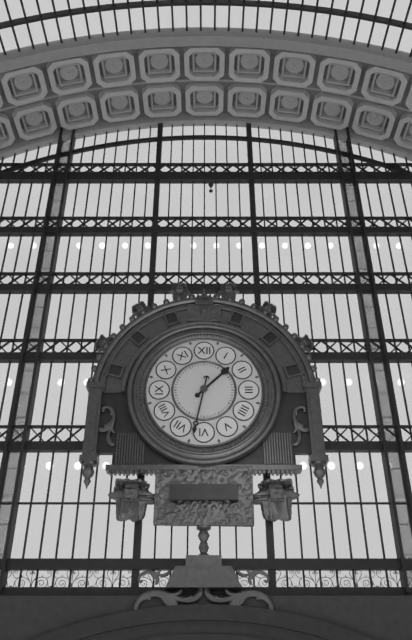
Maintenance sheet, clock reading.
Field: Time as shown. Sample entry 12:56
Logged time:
1:32
